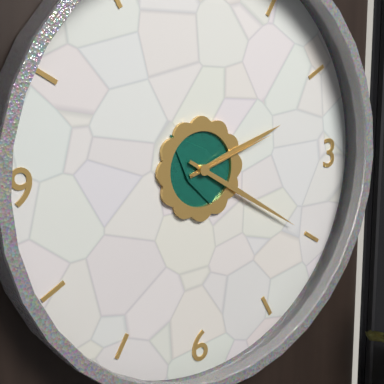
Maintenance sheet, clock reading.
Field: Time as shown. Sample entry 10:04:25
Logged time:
2:20:12
